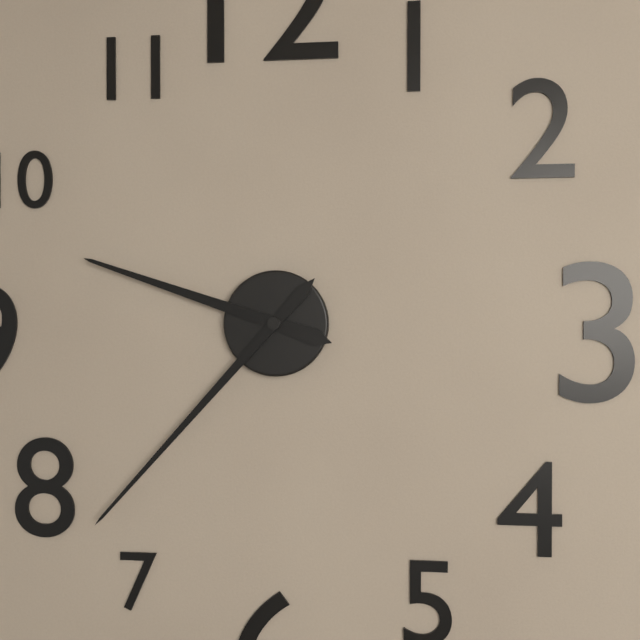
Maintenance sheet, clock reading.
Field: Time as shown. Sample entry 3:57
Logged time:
9:37
